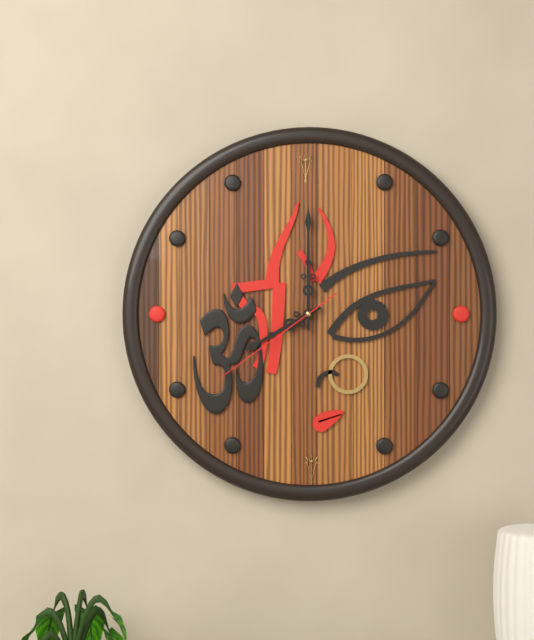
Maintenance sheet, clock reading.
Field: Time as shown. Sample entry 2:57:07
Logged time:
8:00:39
